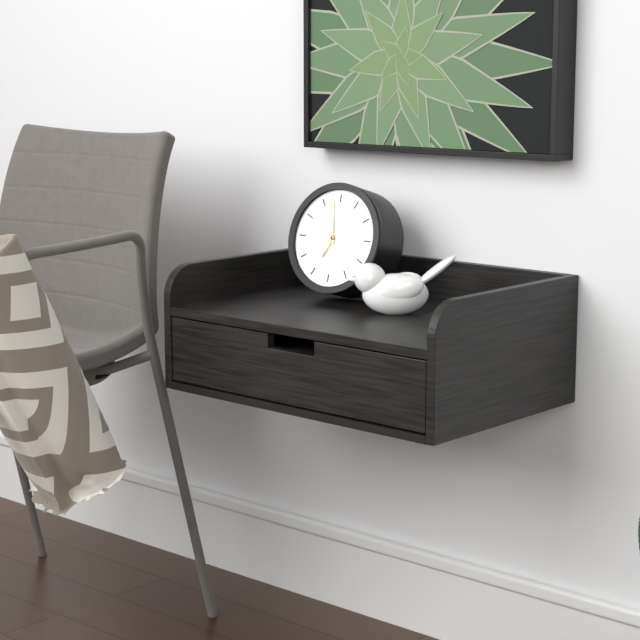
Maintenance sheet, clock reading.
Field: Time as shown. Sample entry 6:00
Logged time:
6:58
